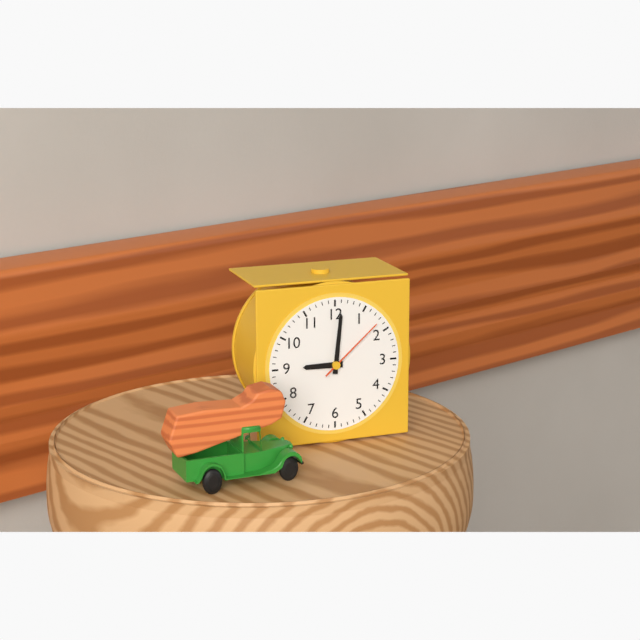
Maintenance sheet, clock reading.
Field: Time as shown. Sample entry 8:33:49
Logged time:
9:01:08
